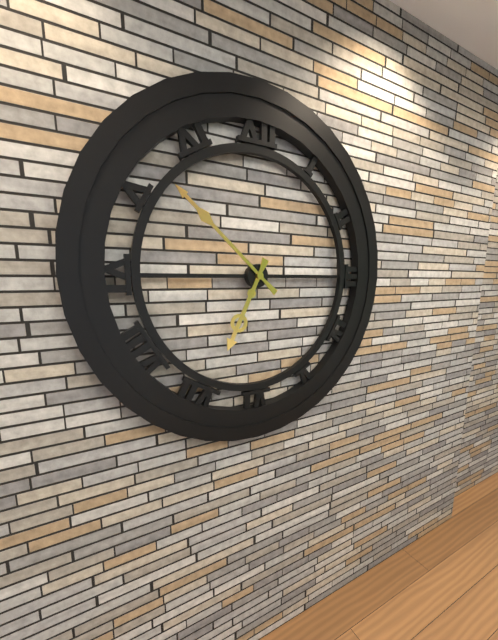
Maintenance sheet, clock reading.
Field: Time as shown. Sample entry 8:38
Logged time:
6:52
